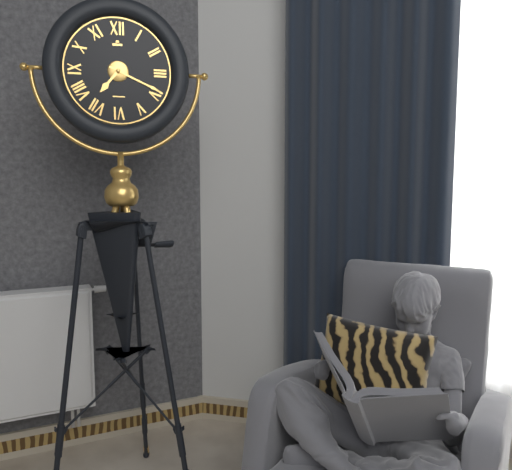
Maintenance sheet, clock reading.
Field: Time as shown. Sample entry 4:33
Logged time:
7:19
